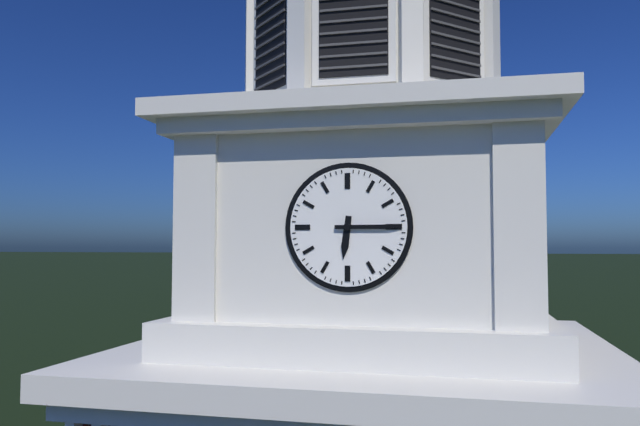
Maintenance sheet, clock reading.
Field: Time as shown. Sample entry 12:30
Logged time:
6:15
